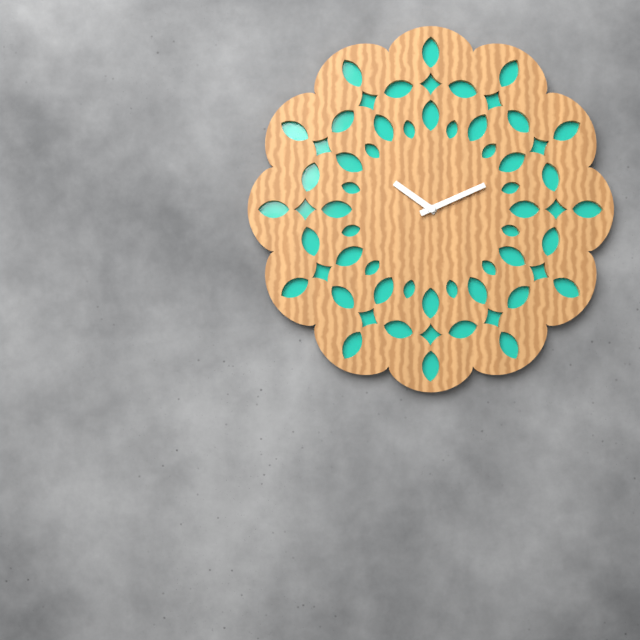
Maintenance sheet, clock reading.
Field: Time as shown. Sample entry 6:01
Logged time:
10:11
